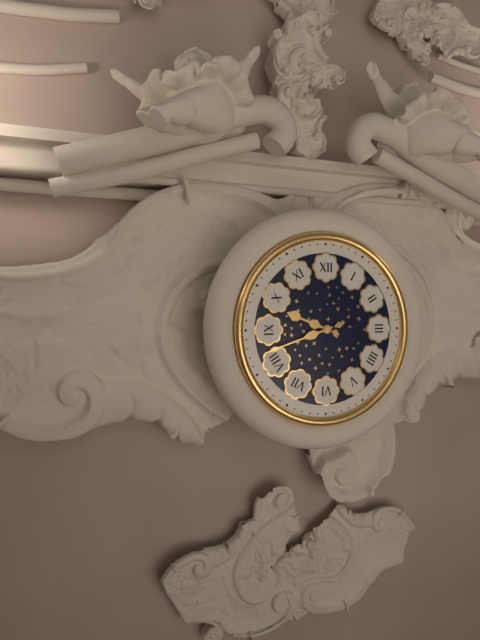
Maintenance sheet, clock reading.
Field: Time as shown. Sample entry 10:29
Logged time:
9:42
